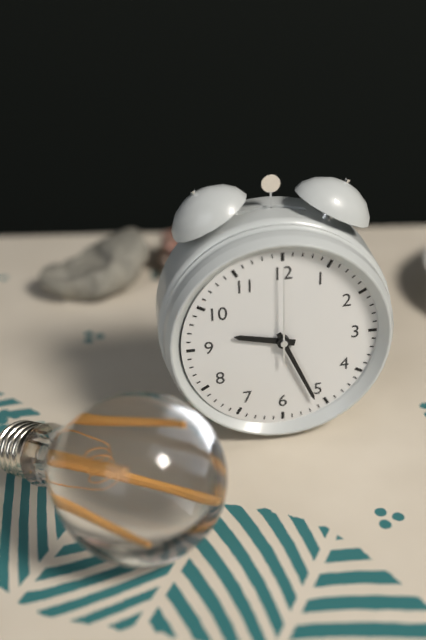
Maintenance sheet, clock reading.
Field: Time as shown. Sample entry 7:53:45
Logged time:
9:26:00
